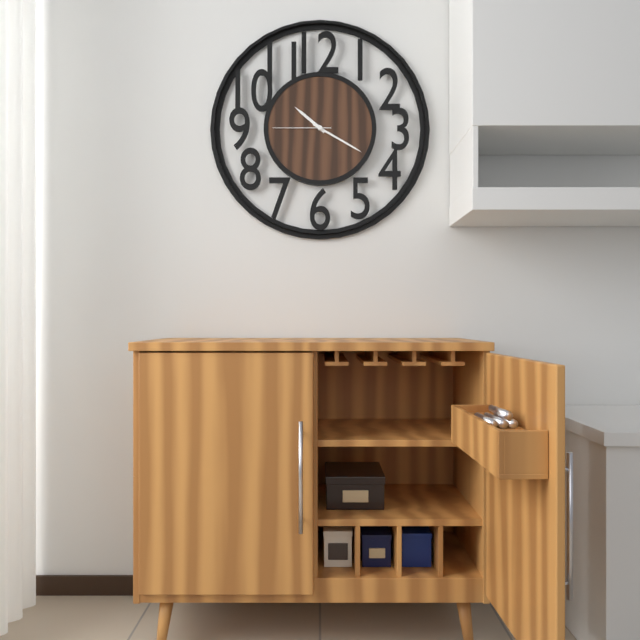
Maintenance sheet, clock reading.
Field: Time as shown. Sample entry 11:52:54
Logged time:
10:20:45
